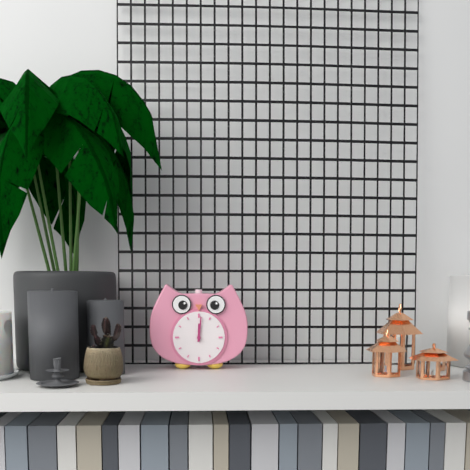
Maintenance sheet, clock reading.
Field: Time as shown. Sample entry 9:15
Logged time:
12:01
